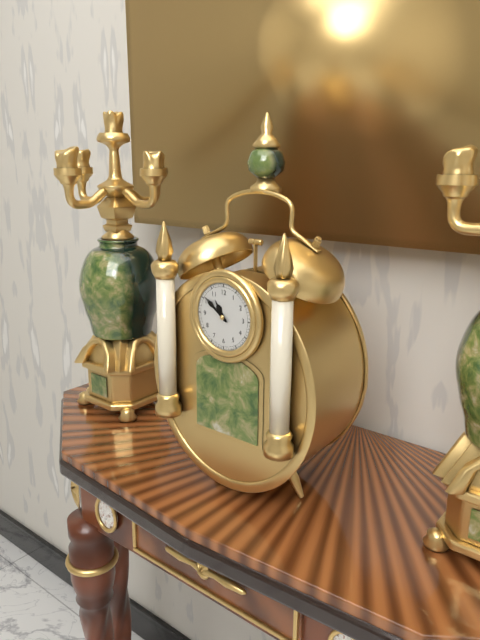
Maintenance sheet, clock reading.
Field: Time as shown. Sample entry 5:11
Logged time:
10:51
